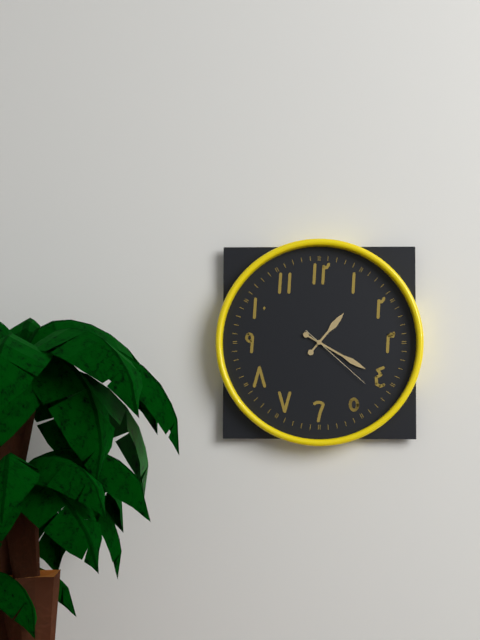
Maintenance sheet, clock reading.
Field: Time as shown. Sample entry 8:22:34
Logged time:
1:20:22
